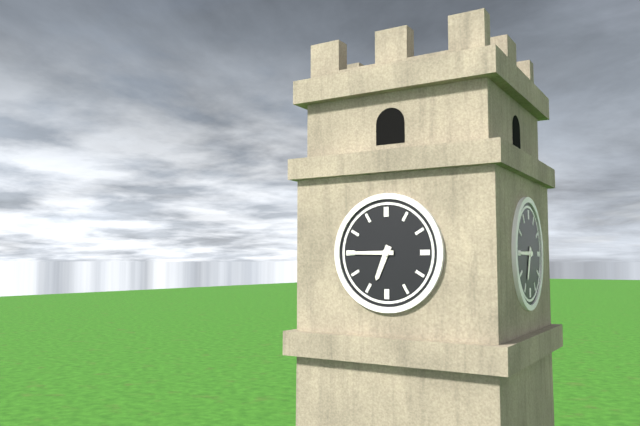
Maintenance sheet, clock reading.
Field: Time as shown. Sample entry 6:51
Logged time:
6:45
